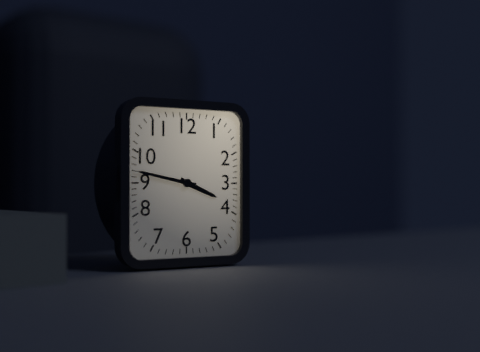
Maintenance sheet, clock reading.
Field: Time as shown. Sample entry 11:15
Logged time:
3:47
